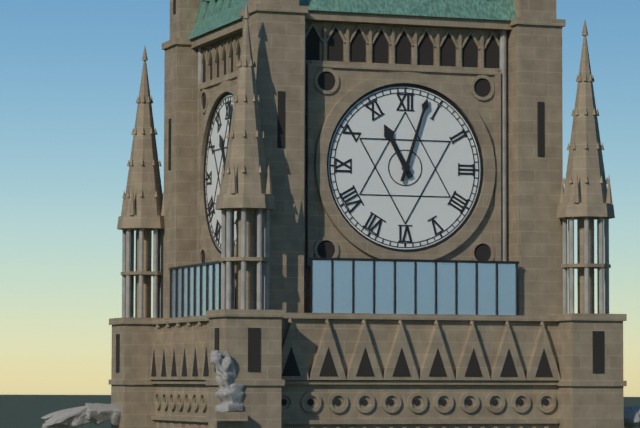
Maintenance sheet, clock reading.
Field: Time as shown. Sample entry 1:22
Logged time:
11:03
